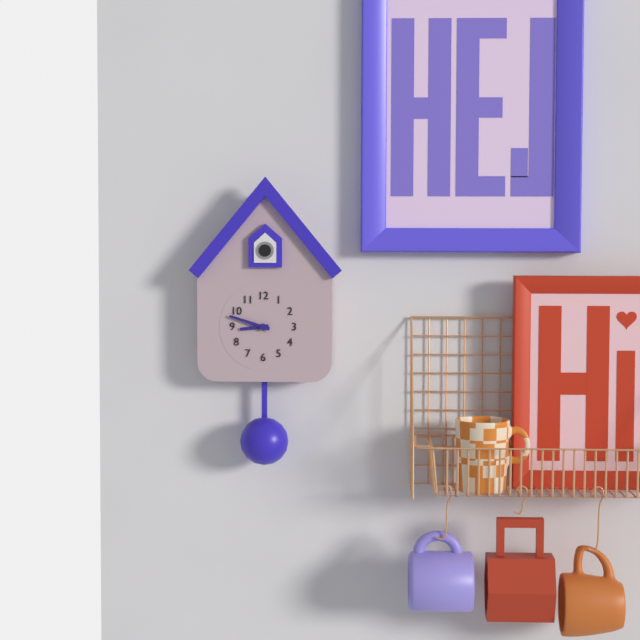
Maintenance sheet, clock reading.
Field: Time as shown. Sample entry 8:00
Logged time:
8:48
